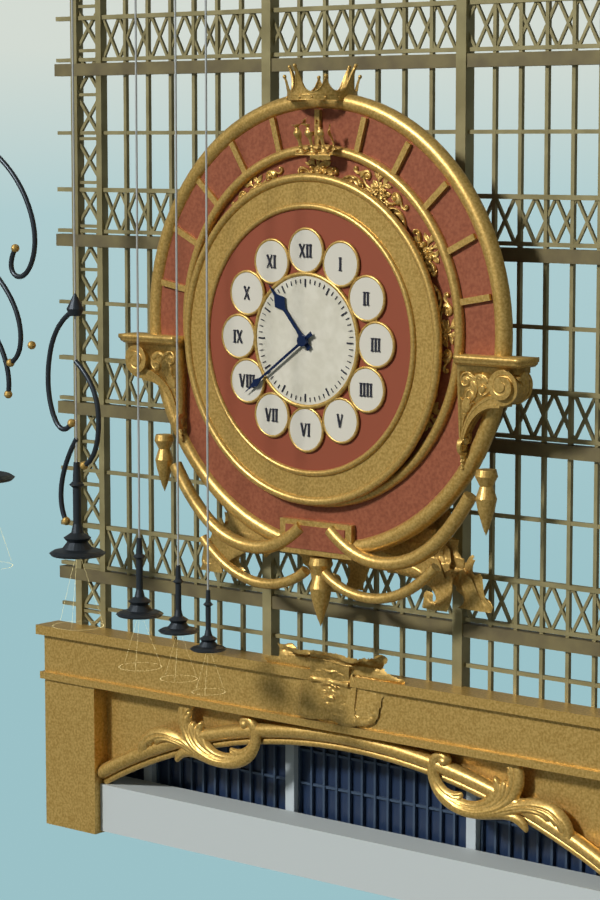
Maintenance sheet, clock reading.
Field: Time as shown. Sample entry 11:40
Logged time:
10:39
